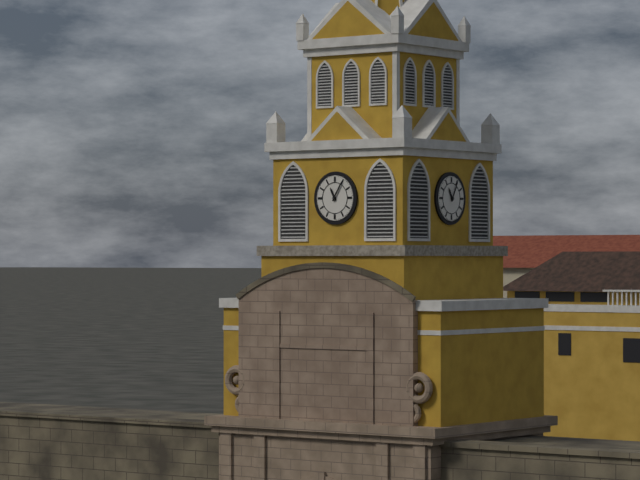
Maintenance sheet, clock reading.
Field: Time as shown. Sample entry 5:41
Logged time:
11:05
